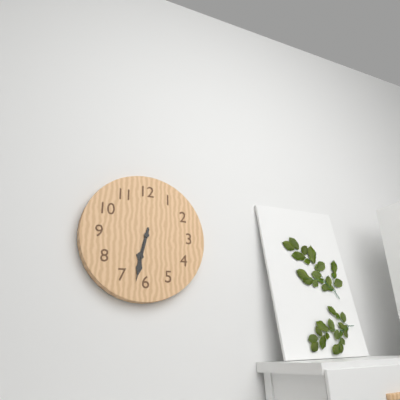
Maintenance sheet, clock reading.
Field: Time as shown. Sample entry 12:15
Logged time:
6:32
